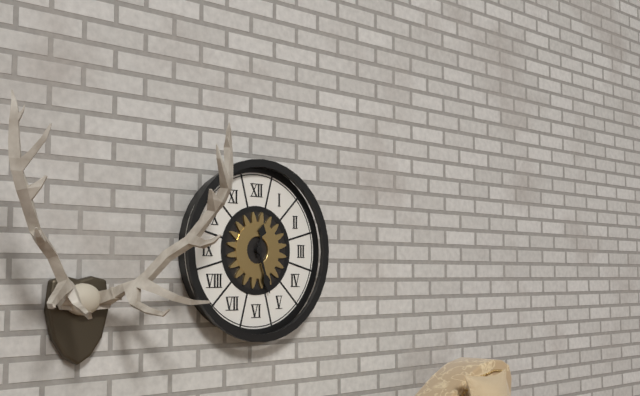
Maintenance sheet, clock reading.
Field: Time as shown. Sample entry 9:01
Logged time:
12:27
